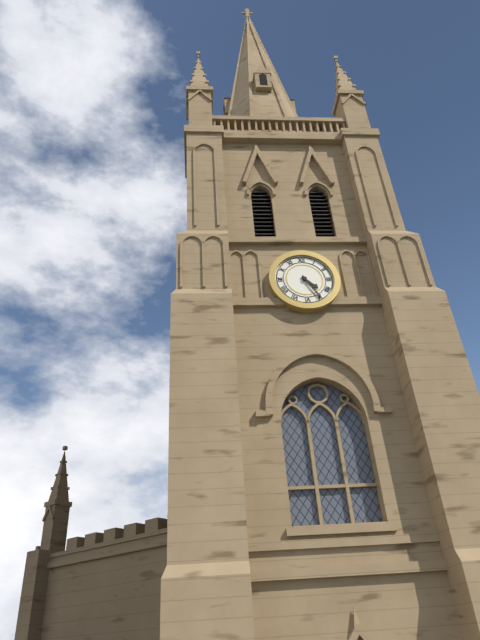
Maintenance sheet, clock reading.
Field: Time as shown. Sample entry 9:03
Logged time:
4:25
